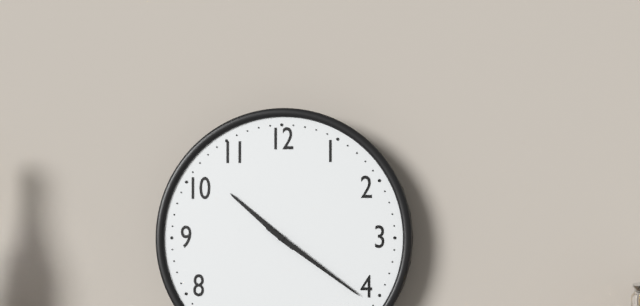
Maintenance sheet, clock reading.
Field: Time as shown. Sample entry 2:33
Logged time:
10:21
